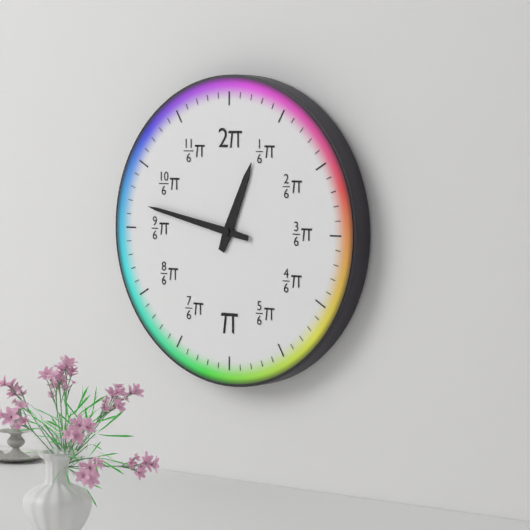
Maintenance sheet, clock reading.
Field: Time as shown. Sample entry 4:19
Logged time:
12:47
